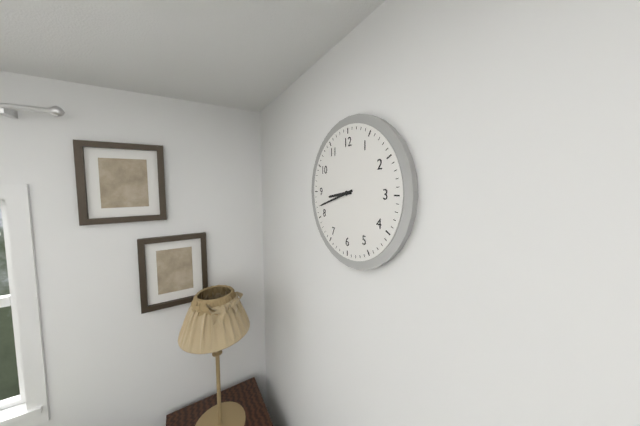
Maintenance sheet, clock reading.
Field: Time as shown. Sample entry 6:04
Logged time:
8:42
